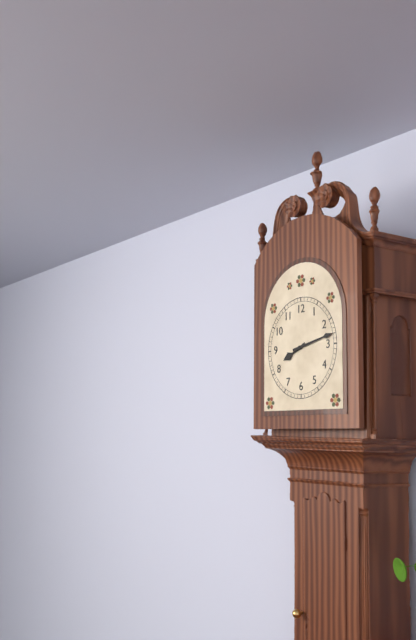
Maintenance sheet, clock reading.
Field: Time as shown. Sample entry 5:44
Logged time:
8:13
